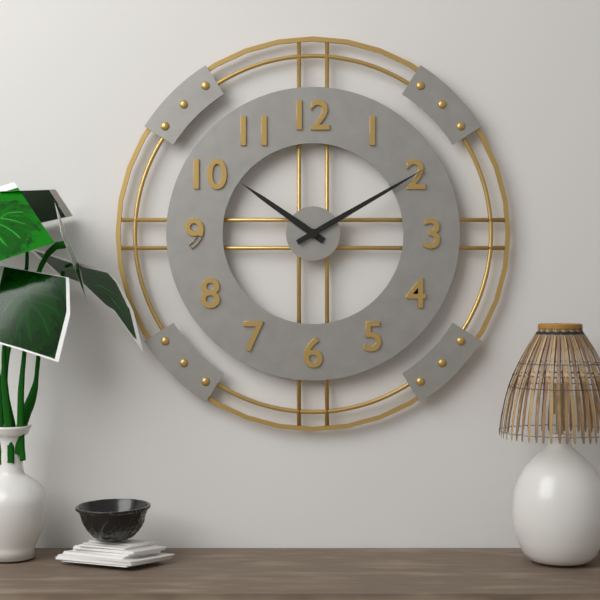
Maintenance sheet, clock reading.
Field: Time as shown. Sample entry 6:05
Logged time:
10:10
